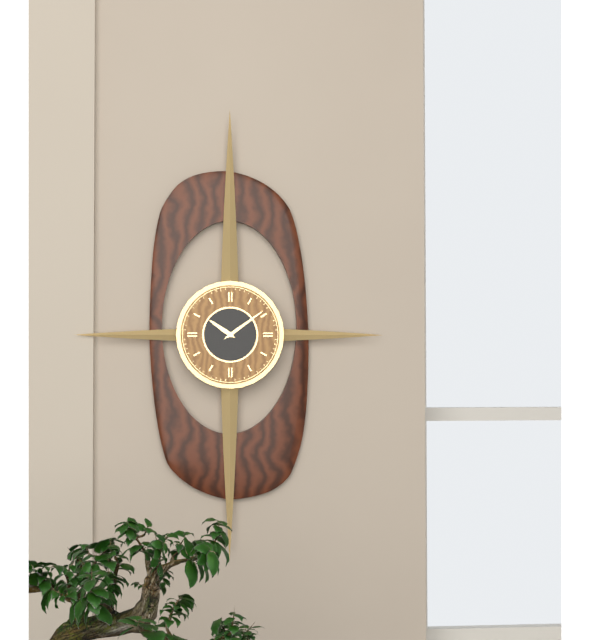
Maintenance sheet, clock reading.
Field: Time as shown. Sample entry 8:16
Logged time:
10:09
